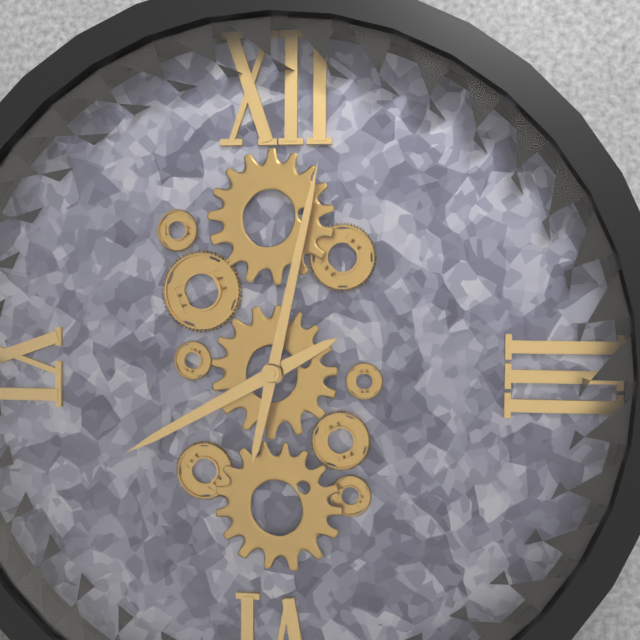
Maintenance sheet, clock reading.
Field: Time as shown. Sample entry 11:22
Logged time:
8:02
